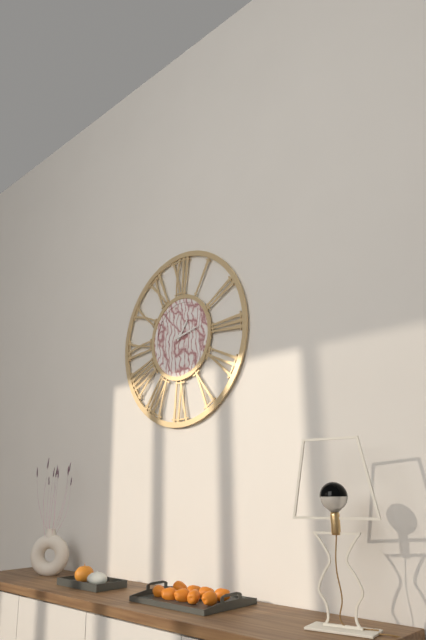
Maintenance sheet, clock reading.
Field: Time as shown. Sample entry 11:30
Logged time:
1:13
